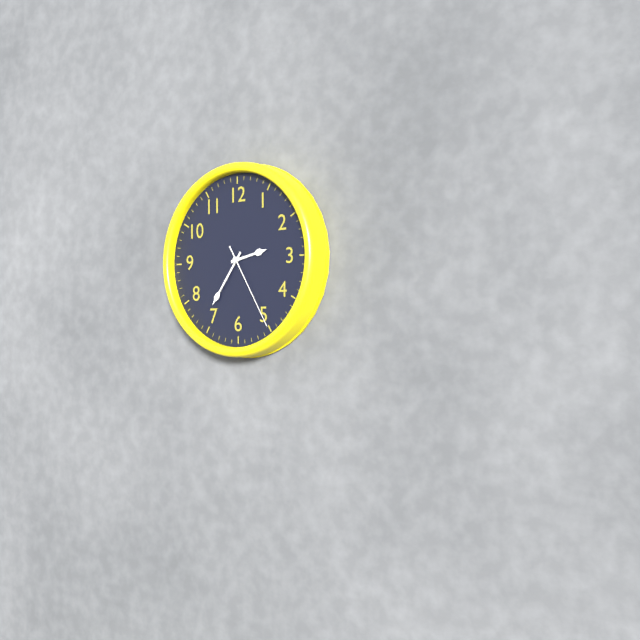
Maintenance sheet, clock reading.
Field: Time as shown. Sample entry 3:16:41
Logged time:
2:36:25
